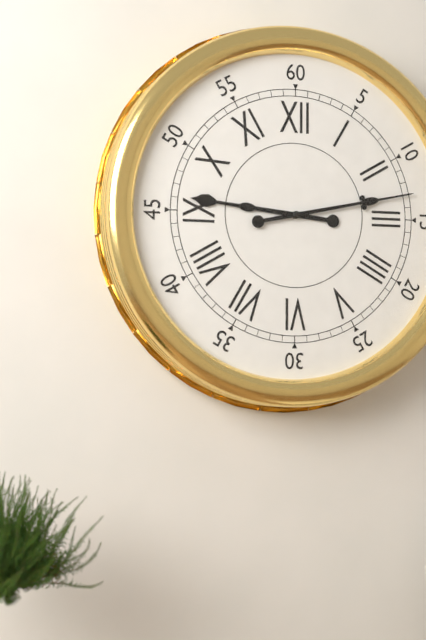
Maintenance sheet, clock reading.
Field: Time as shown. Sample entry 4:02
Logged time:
9:13
